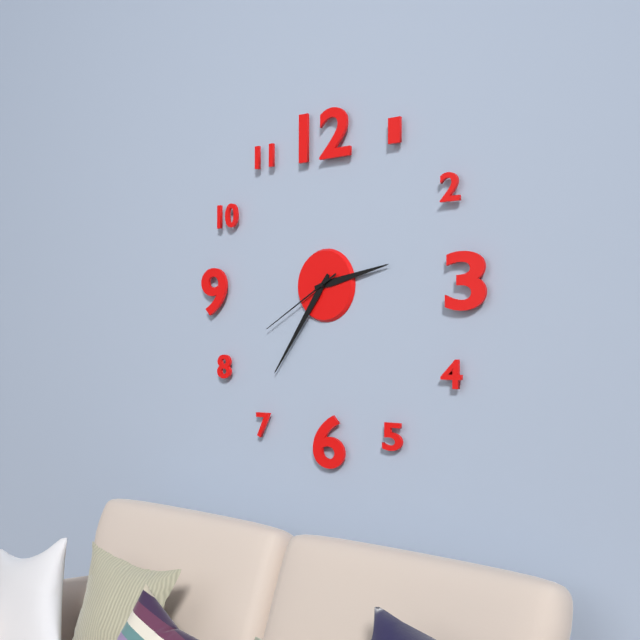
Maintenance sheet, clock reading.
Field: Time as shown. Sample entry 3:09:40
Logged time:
2:36:40
